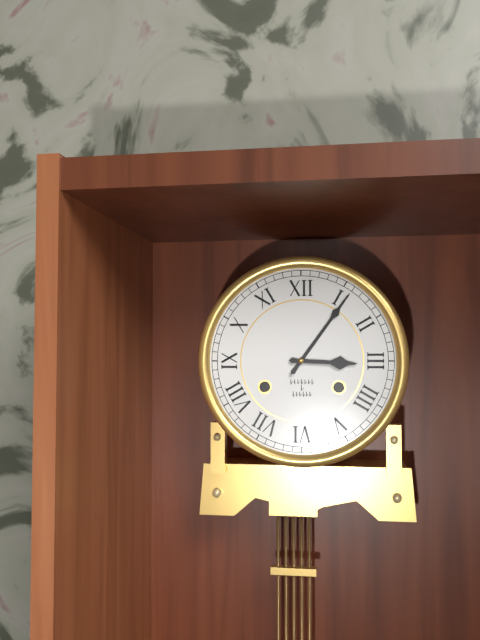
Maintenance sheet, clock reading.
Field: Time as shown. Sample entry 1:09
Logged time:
3:06
